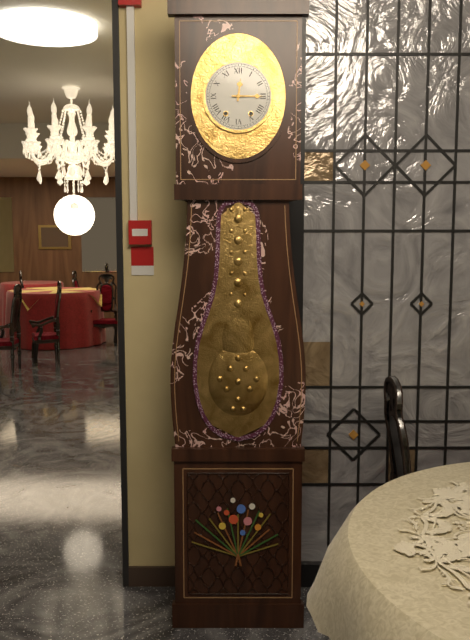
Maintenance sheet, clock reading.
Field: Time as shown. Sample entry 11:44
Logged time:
12:15
